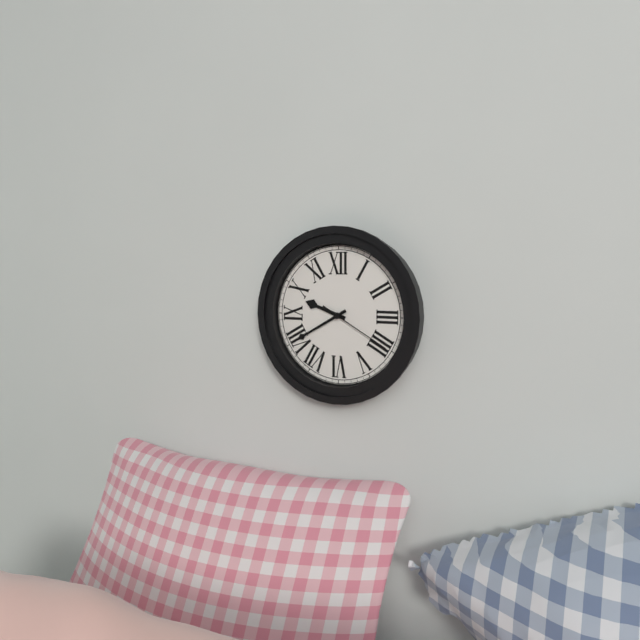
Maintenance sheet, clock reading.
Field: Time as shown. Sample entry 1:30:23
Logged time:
9:40:20
